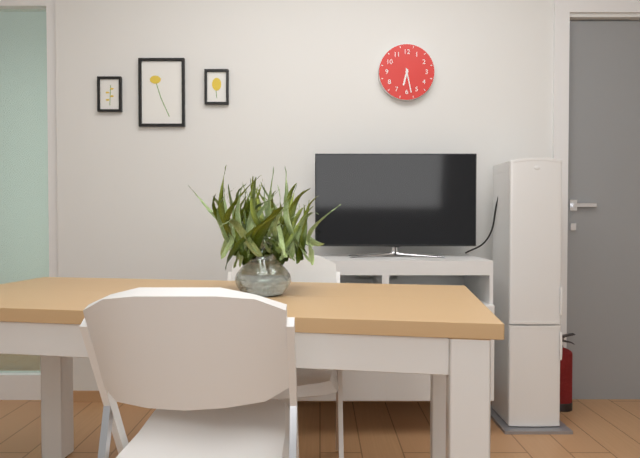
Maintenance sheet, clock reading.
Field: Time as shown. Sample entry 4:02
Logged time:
6:28
